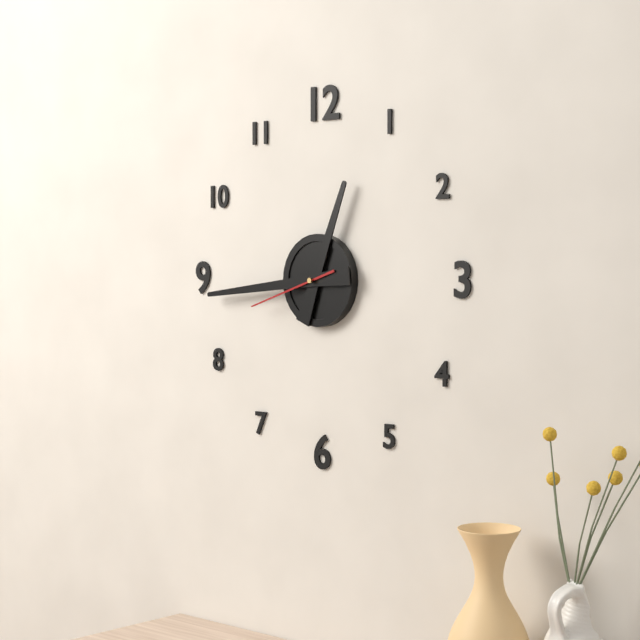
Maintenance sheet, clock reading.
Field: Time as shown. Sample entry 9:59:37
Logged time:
12:44:42
